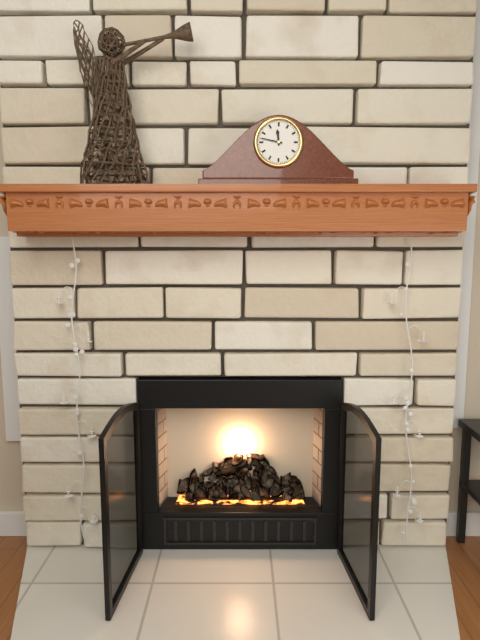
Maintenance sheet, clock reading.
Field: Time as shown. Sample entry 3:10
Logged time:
11:47
